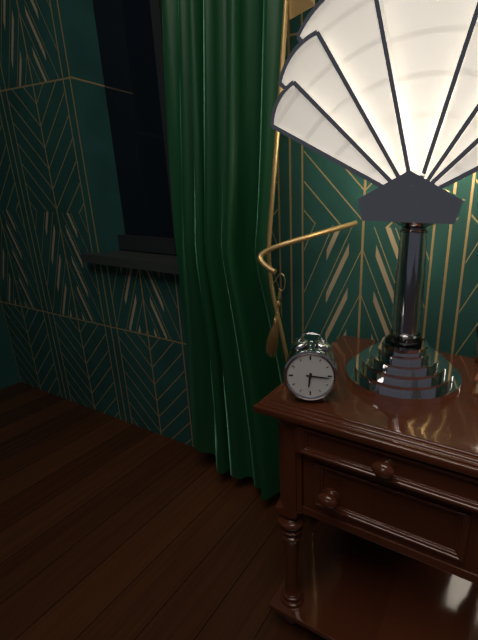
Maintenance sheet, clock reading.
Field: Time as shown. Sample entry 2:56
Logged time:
6:16
